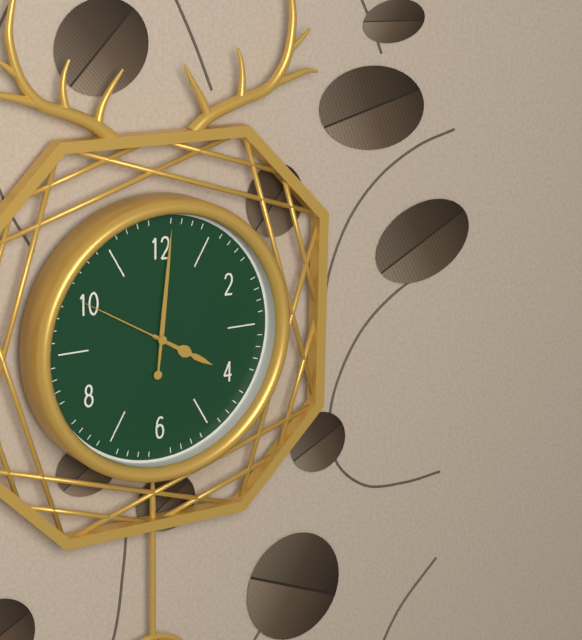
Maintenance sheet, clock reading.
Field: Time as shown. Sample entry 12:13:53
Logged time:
4:01:50
